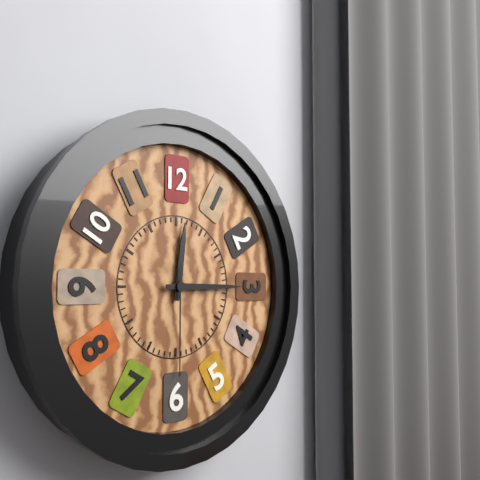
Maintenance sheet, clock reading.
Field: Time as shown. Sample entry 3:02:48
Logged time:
12:15:30
